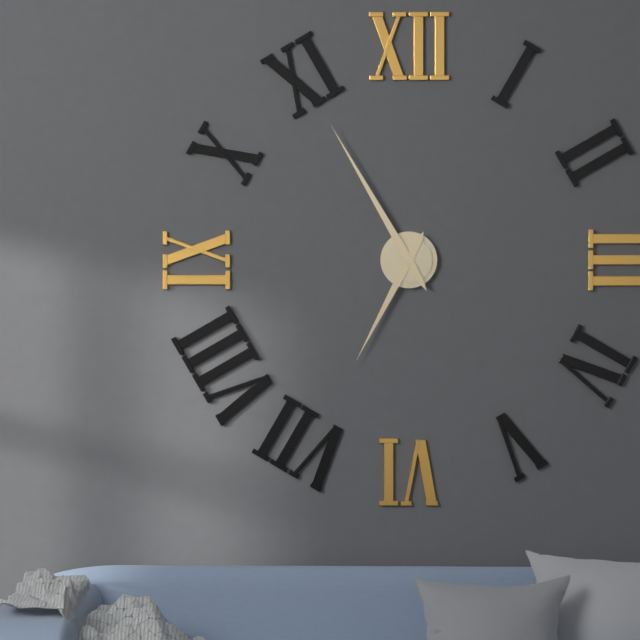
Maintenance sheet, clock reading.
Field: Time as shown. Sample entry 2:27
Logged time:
6:55
